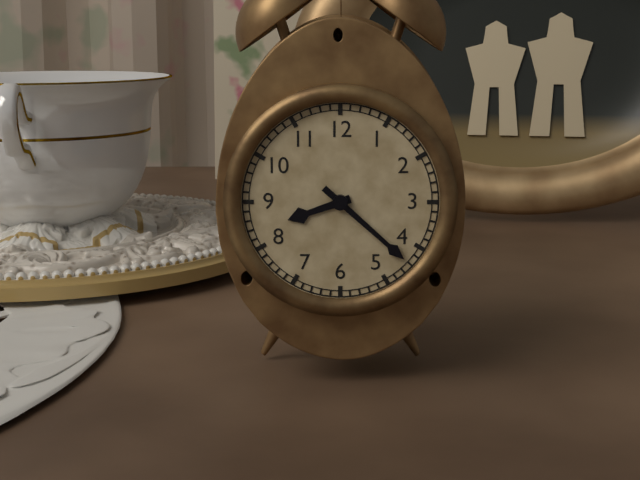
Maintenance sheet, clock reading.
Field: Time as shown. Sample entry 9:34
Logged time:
8:22
